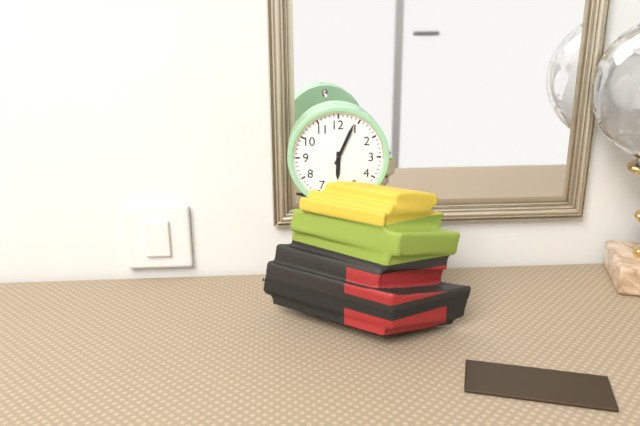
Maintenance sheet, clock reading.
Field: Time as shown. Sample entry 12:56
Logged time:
6:04
